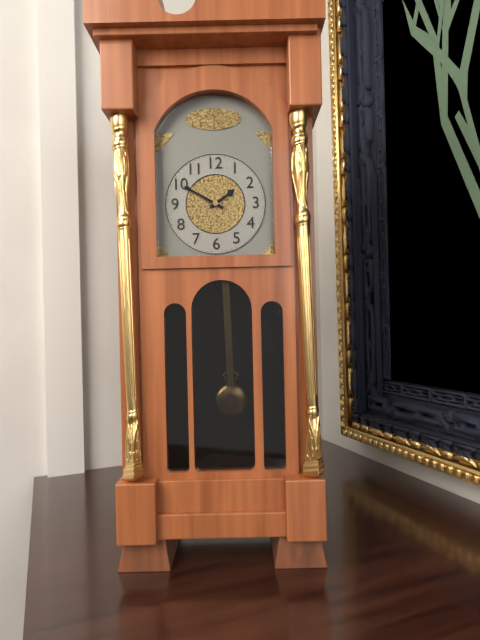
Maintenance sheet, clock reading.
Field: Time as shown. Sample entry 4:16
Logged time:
1:50
